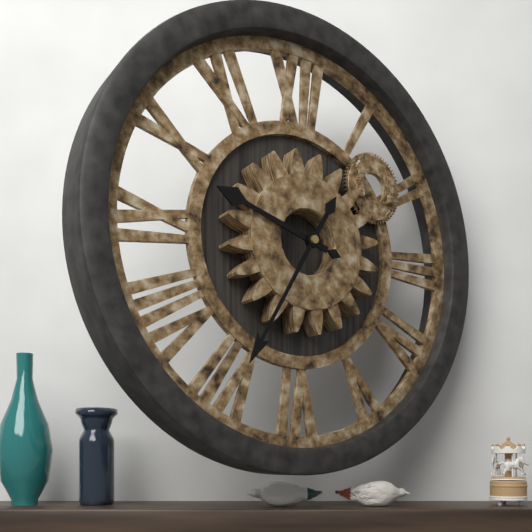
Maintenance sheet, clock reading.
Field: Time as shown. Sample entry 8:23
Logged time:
9:35
